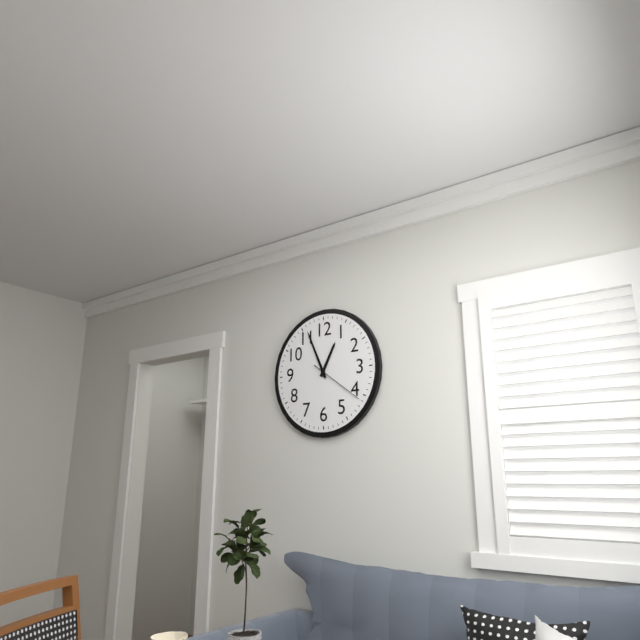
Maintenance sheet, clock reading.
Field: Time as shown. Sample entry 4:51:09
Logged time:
12:56:21
